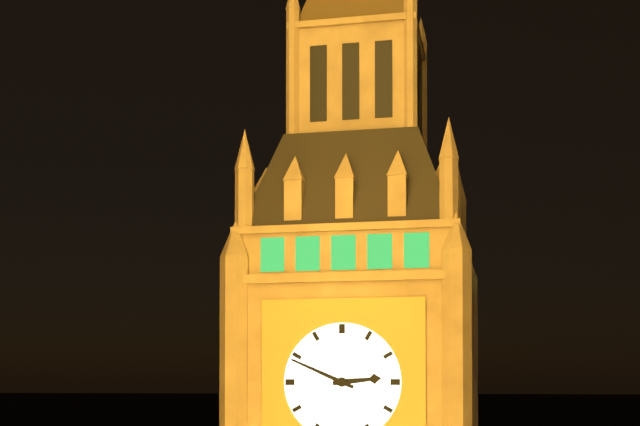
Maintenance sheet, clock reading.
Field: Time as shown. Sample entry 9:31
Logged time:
2:49
